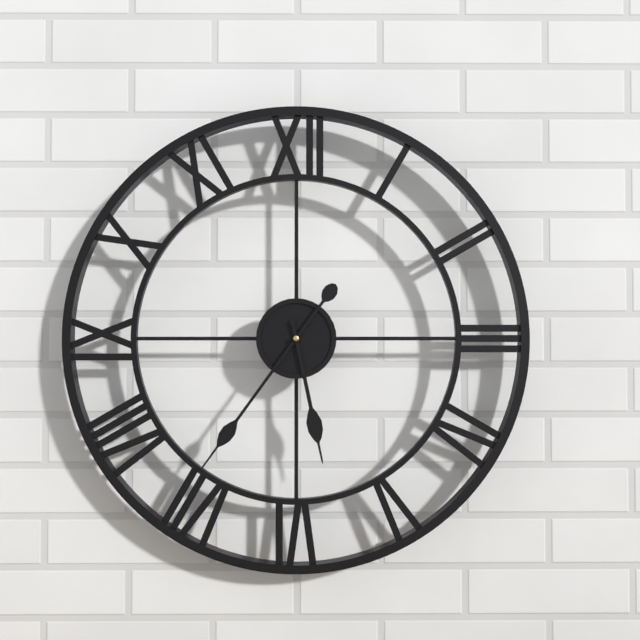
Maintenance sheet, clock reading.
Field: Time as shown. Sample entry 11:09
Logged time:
5:36
